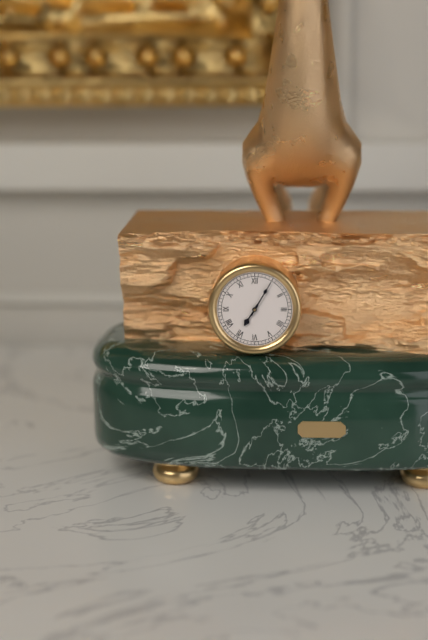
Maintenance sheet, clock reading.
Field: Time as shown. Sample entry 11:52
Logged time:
7:05
